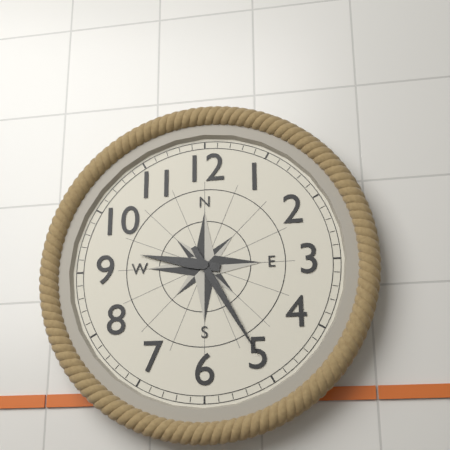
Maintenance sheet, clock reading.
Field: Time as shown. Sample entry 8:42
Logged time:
9:25
